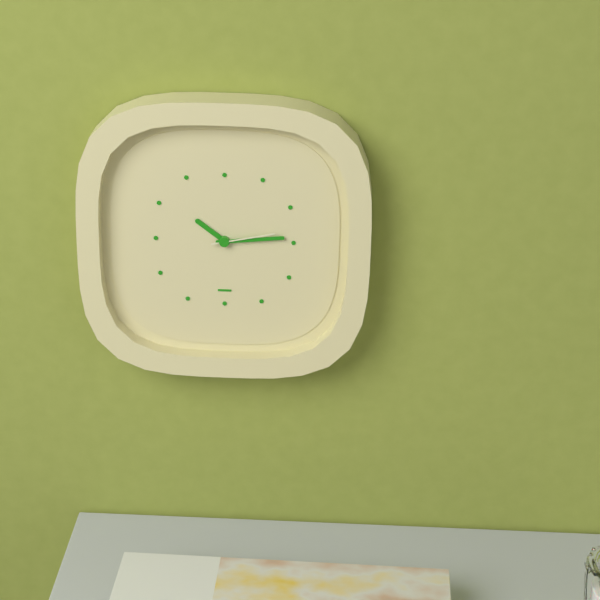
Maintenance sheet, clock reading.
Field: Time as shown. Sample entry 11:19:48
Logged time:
10:14:13
